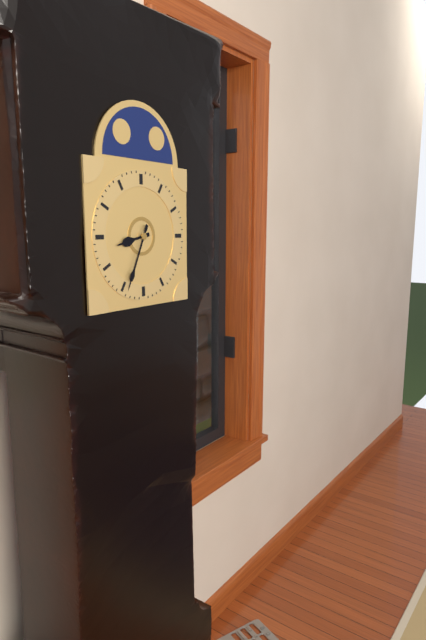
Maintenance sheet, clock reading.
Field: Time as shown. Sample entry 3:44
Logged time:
8:34
